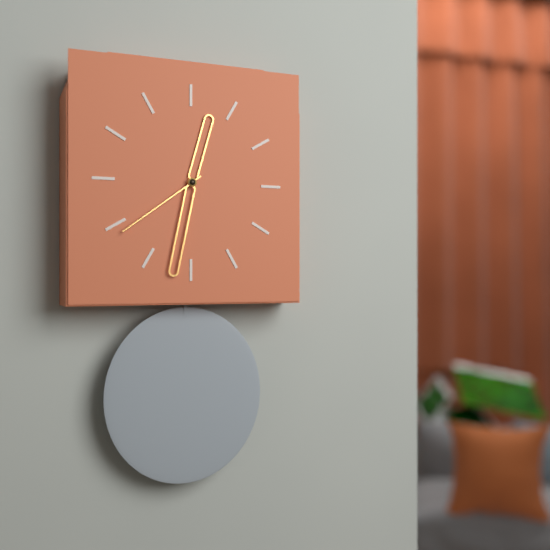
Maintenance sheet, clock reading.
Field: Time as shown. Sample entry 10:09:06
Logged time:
12:32:39
